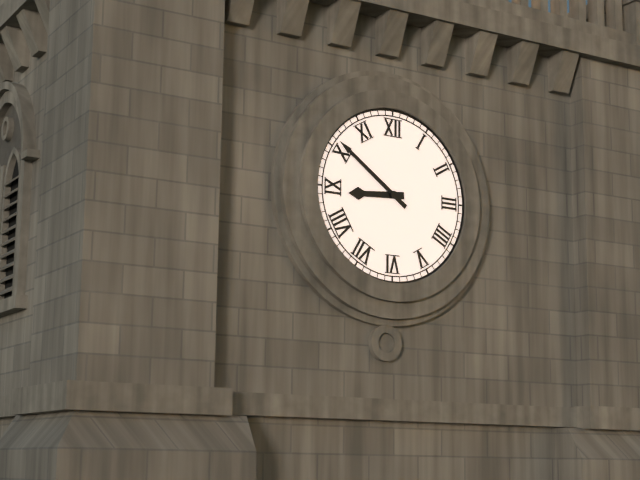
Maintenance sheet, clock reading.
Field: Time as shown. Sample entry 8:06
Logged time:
8:51
